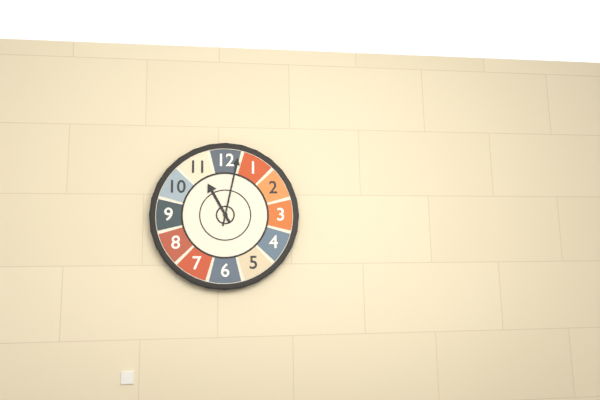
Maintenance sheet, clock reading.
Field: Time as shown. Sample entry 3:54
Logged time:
11:02
